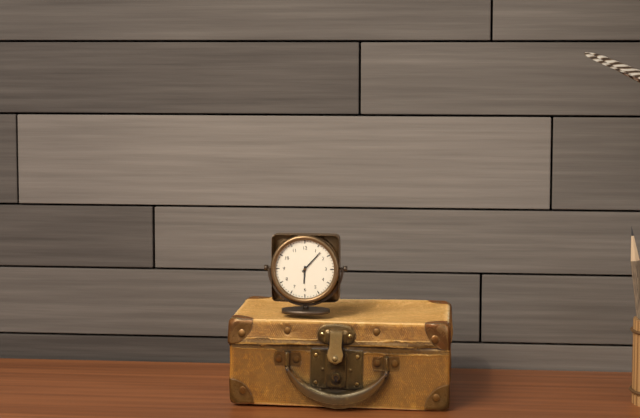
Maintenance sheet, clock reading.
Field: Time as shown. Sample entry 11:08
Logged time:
6:07
